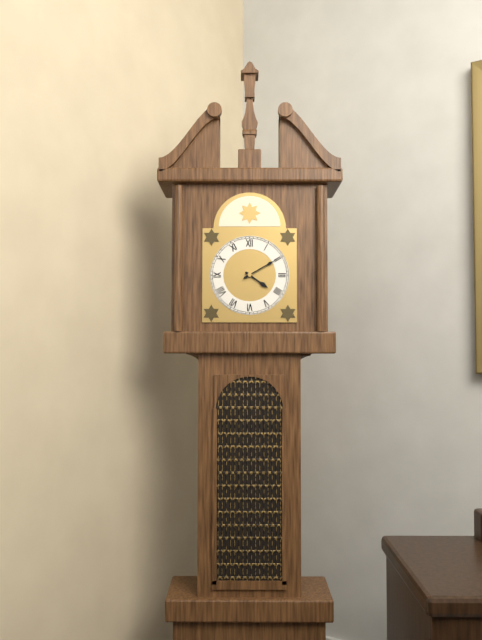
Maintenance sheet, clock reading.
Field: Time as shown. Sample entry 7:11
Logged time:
4:10
